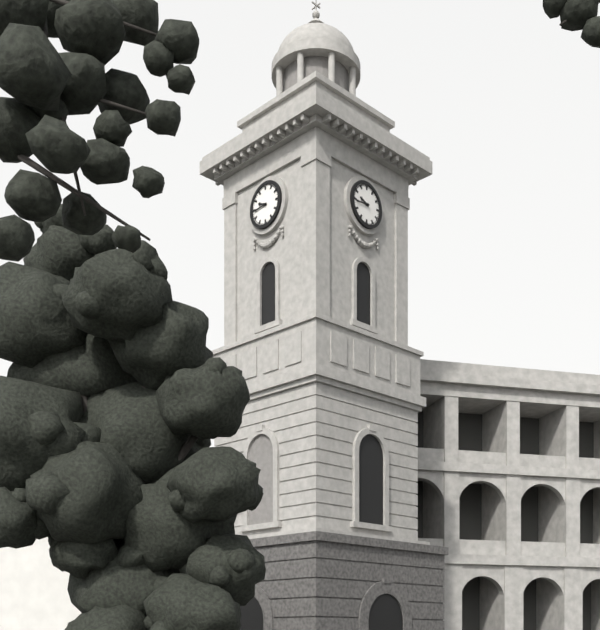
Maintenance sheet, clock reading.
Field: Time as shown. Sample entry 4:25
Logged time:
9:44
